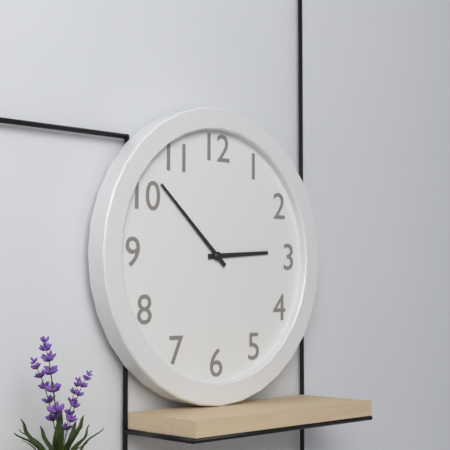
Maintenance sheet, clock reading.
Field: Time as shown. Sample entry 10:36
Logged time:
2:52
